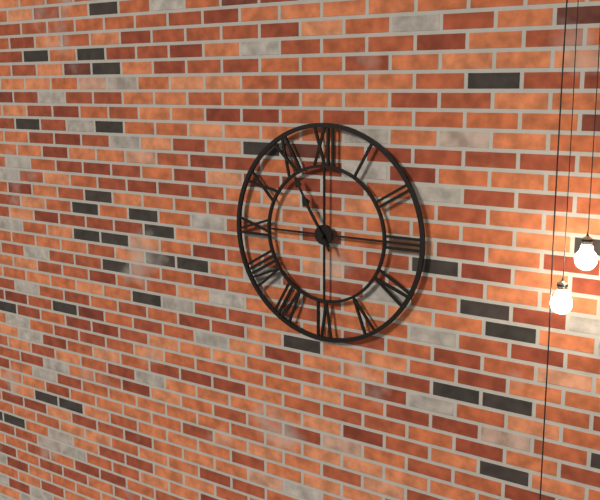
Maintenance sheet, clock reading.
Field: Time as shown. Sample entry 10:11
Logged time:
10:55
